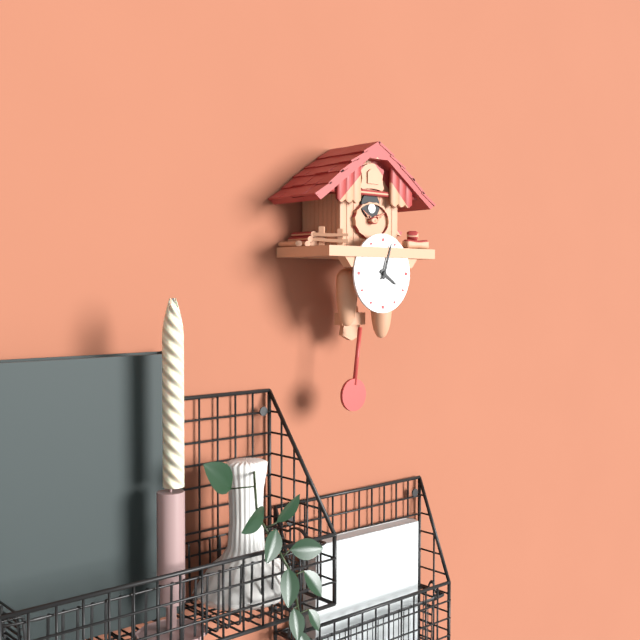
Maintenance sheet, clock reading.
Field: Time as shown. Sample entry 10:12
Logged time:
4:03
